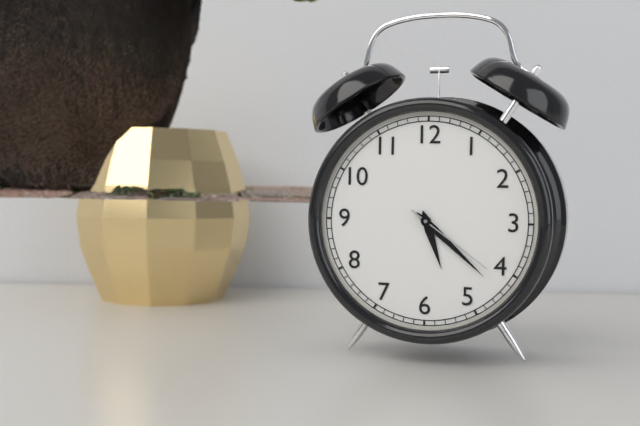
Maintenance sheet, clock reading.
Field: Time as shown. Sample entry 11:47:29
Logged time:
5:22:21
